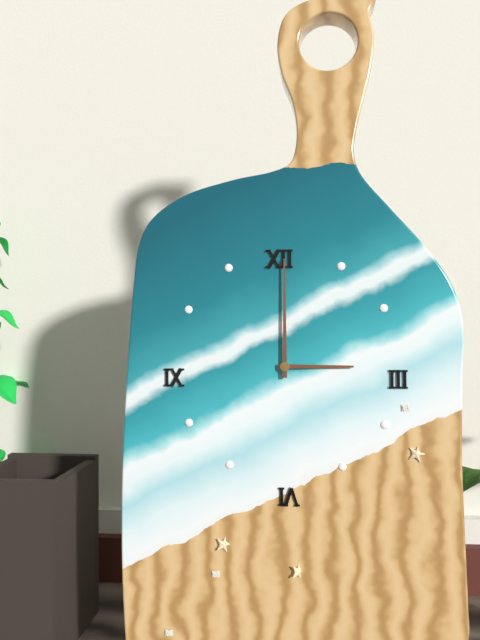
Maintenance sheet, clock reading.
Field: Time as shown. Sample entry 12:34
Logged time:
3:00
